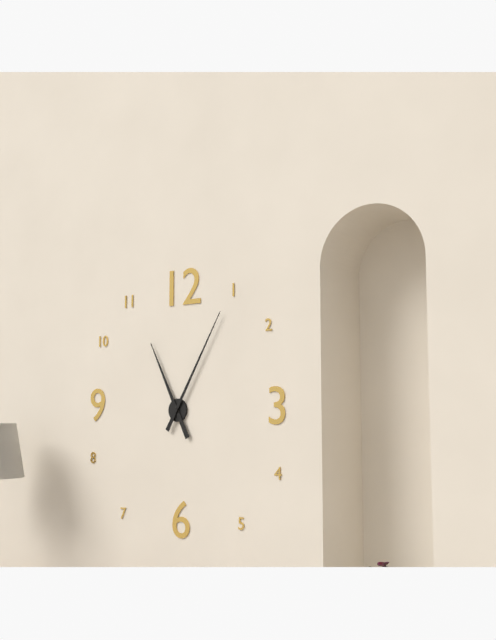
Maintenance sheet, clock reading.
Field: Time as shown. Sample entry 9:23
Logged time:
11:05
